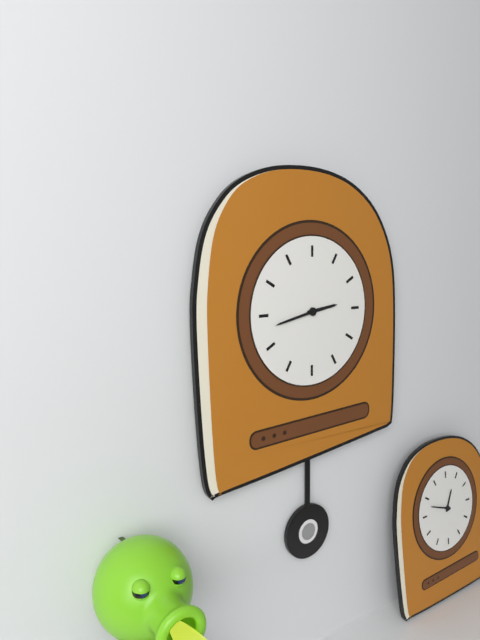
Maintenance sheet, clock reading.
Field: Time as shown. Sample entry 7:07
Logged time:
2:43
